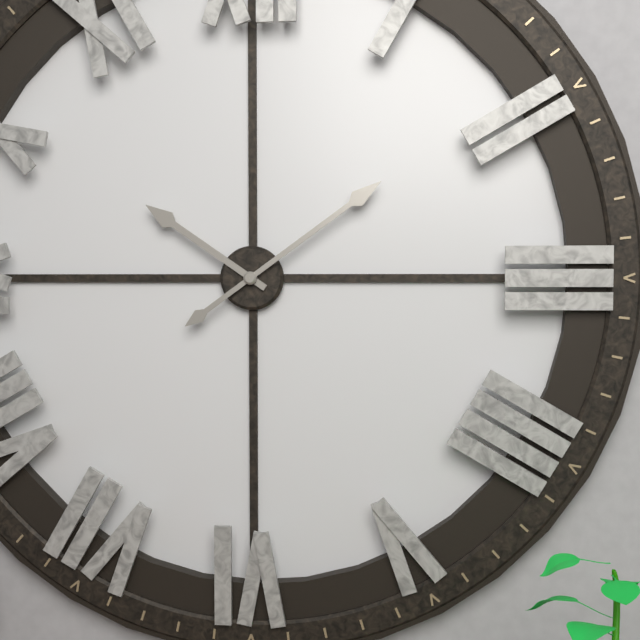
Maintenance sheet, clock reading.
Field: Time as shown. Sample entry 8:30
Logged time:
10:09
